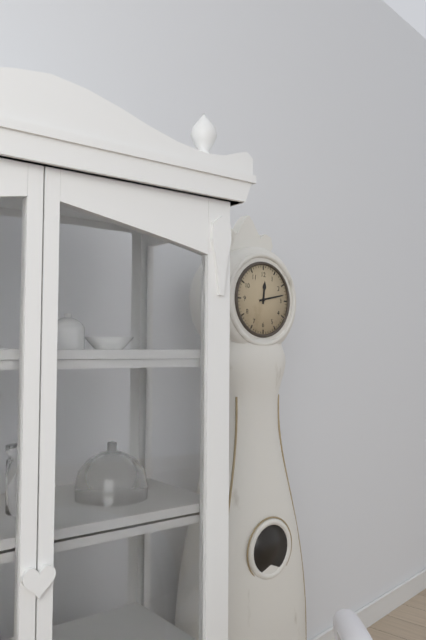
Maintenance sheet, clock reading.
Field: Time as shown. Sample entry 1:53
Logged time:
12:13
